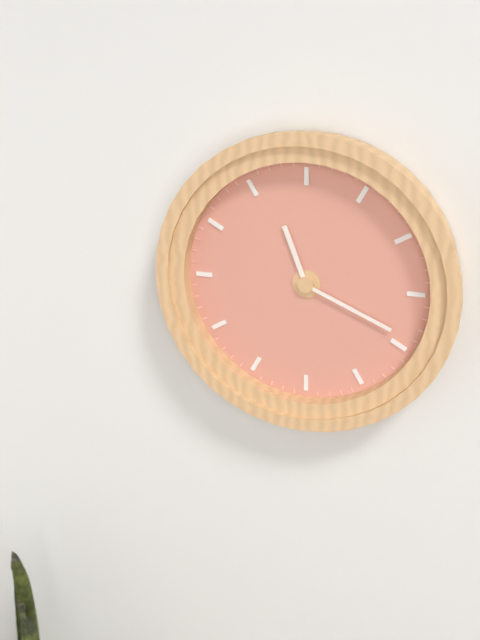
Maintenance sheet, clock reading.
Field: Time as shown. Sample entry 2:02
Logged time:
11:19
